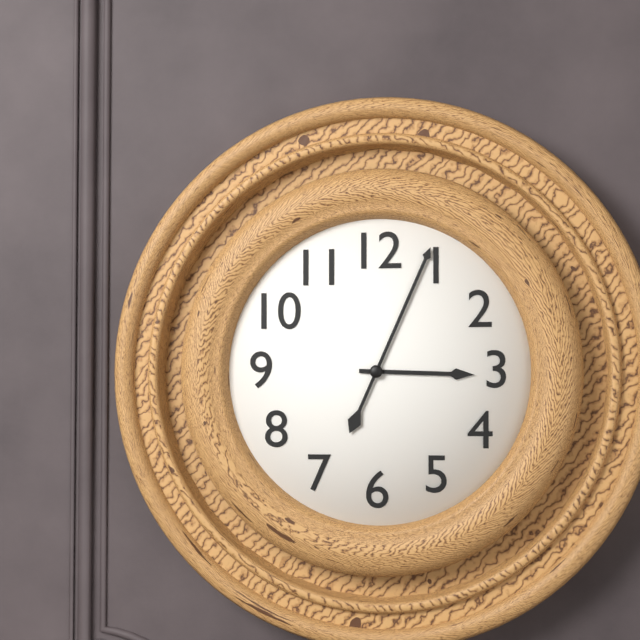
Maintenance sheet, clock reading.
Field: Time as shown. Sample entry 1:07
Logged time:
3:04
